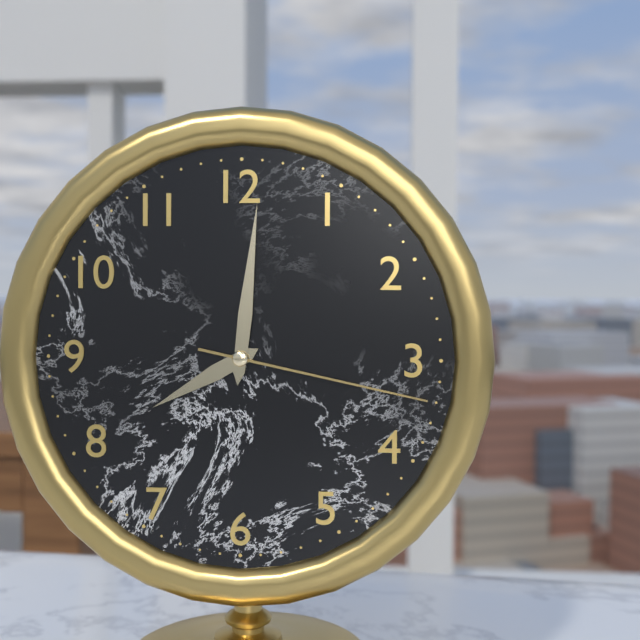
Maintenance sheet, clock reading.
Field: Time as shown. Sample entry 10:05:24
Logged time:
8:01:17
